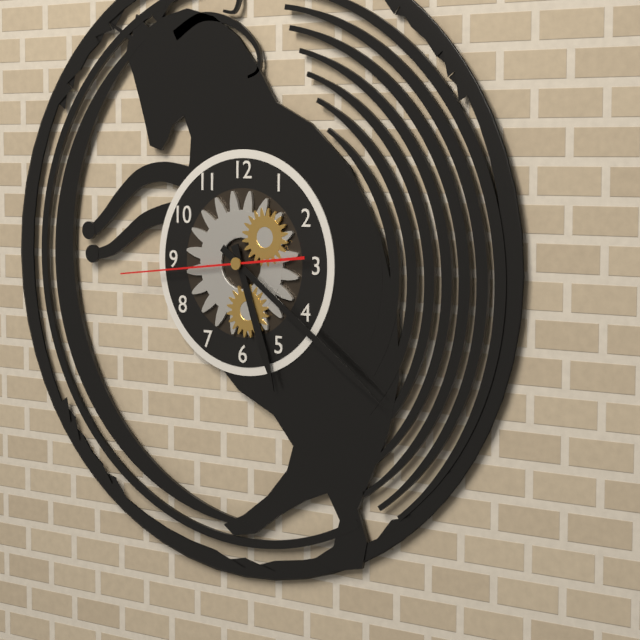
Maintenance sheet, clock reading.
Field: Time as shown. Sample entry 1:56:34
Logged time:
5:21:44
